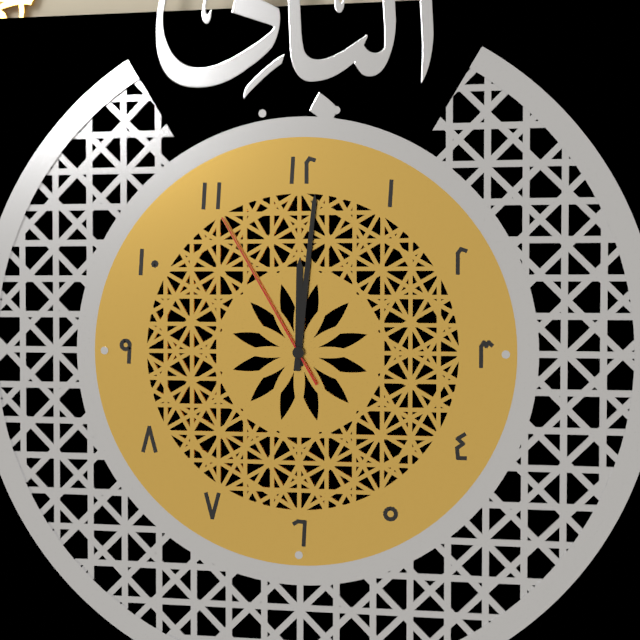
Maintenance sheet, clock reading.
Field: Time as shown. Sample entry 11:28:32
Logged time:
12:01:55
